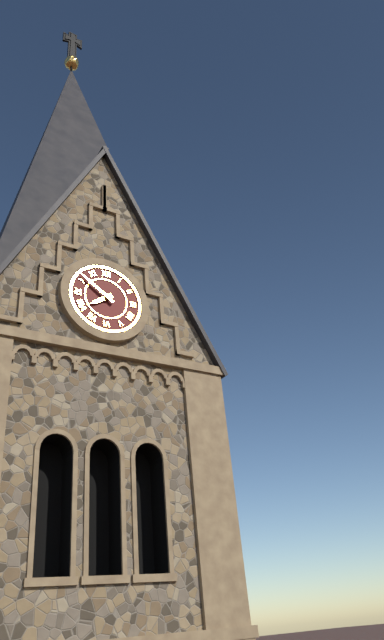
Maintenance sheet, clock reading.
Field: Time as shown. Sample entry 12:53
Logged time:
7:51
